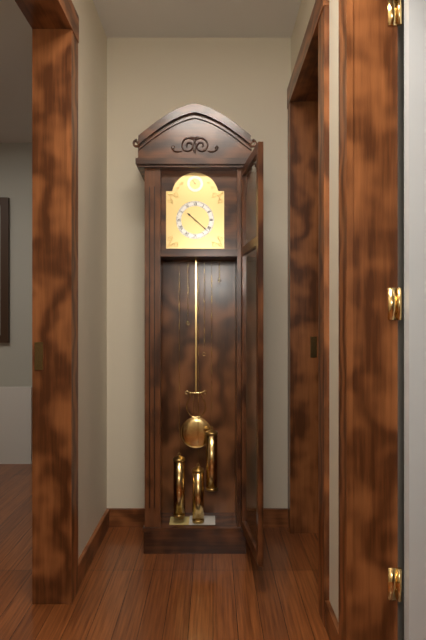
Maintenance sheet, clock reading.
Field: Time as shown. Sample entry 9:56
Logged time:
10:22
